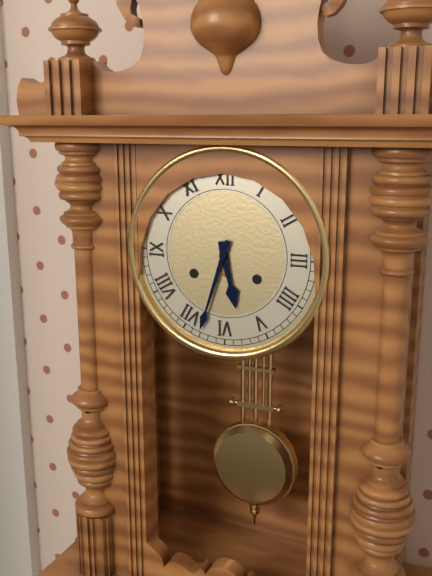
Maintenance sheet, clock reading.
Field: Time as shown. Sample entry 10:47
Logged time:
5:33
